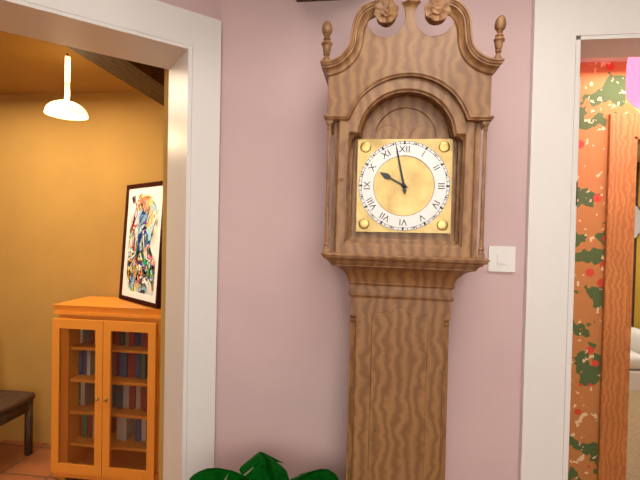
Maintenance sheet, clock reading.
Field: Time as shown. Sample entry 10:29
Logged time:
9:58
